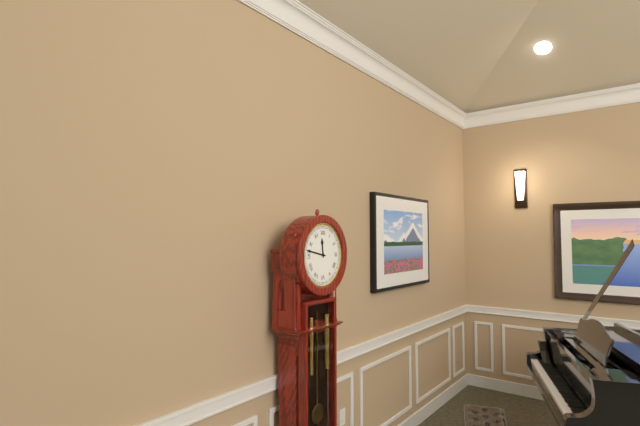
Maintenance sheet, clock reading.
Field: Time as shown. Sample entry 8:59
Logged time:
11:47
